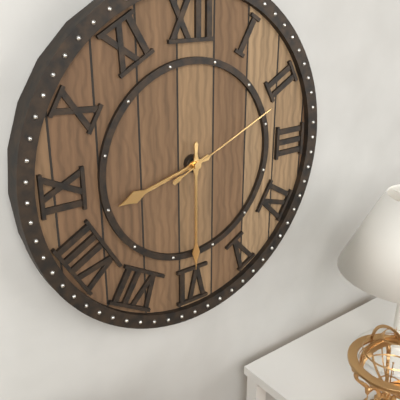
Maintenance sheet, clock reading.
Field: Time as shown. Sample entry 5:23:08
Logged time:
8:30:11
